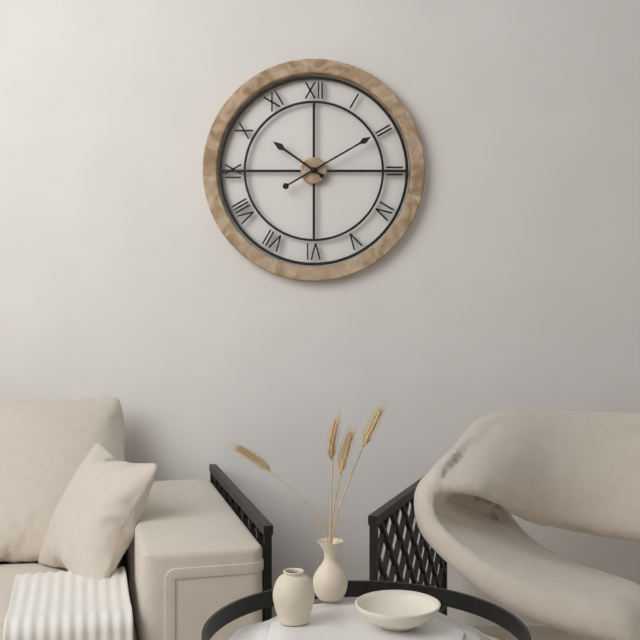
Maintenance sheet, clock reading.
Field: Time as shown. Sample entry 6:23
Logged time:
10:10
